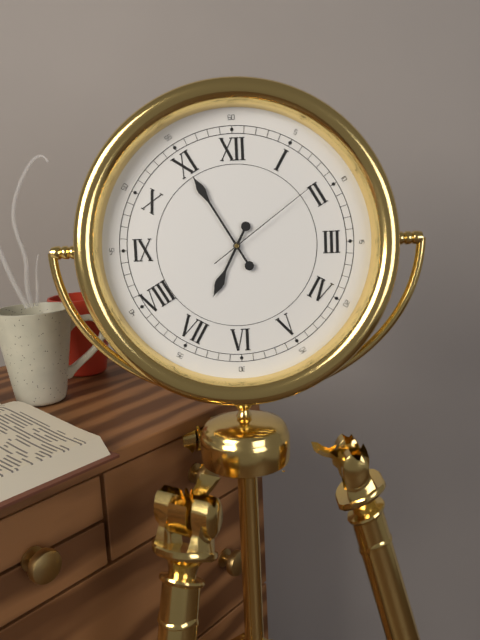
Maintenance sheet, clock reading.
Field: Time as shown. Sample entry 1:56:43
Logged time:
6:55:09
